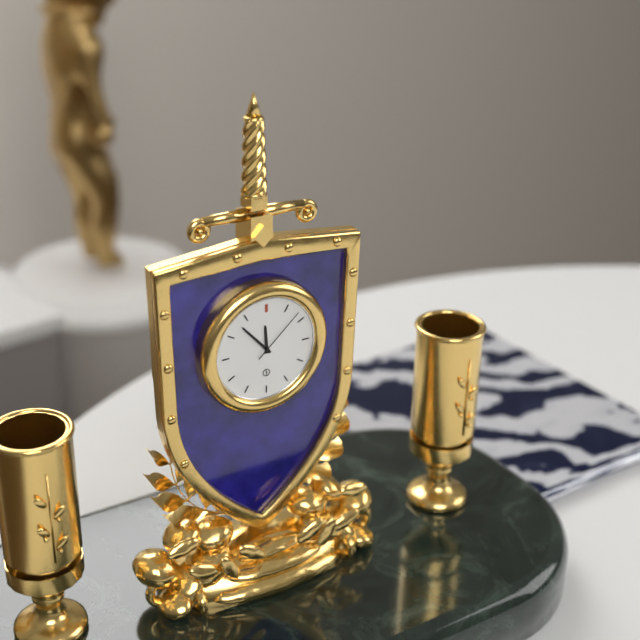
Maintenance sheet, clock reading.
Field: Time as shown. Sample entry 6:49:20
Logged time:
11:53:08
